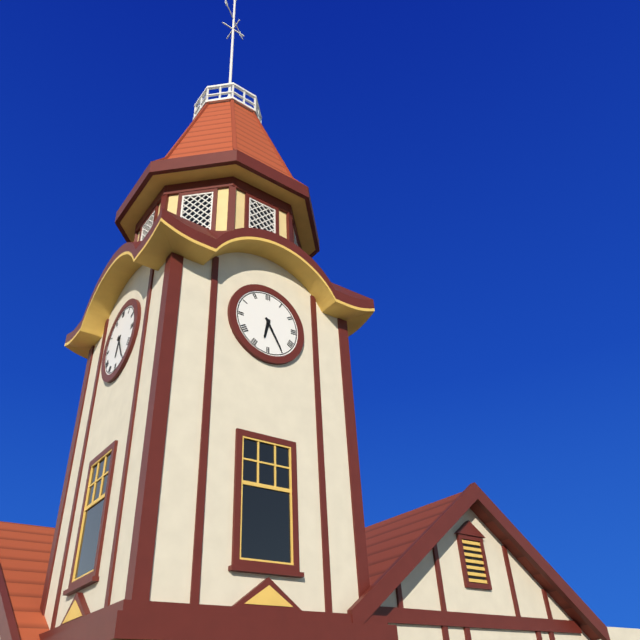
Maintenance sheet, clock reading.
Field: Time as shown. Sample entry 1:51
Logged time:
6:25
